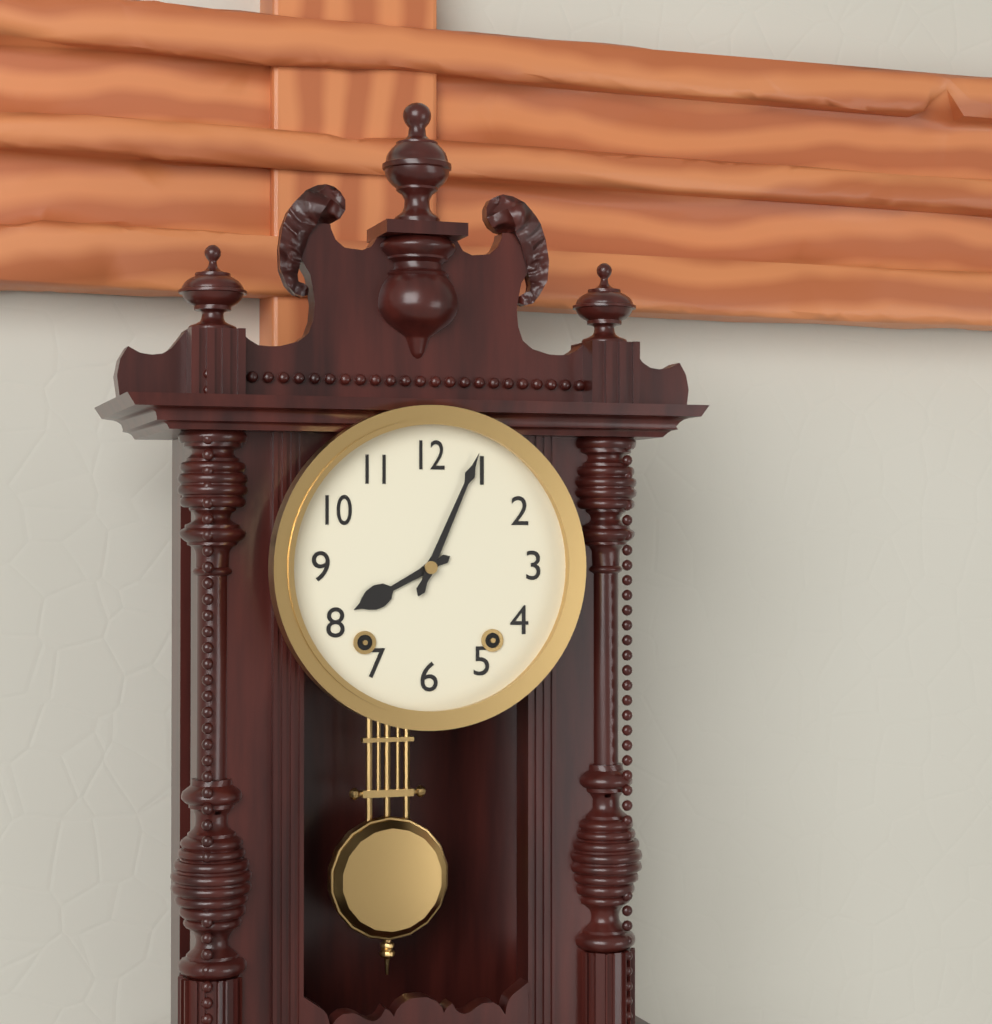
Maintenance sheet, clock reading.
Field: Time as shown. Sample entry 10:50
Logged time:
8:04
